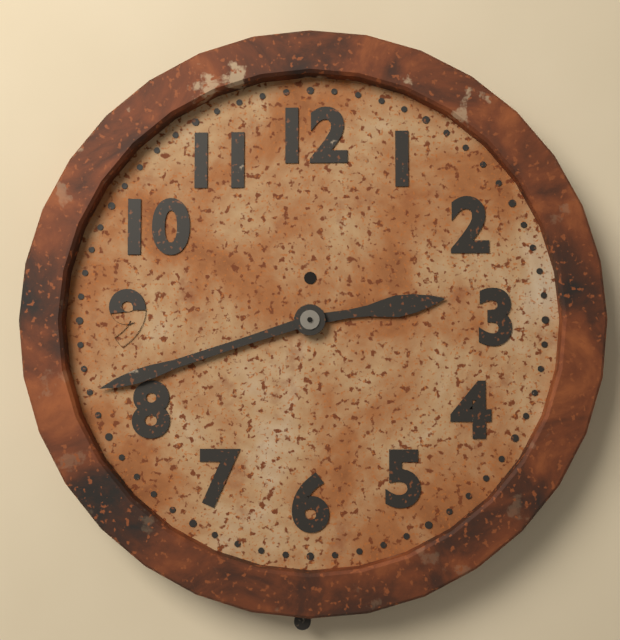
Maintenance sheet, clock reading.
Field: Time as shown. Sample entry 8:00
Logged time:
2:42
